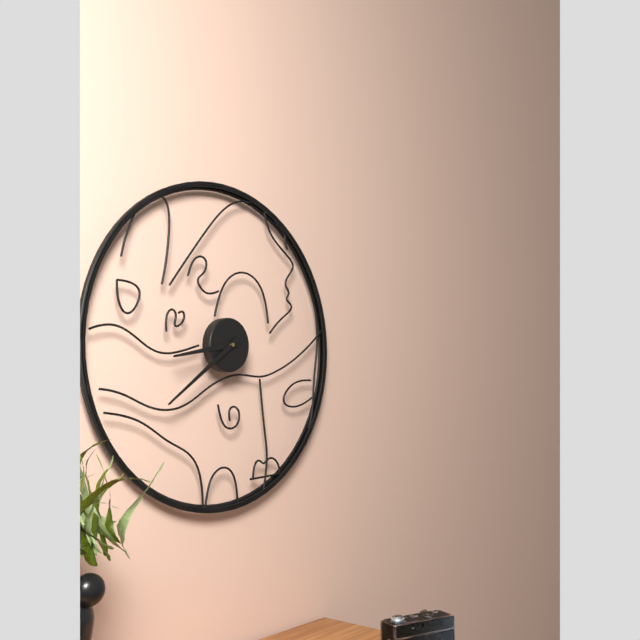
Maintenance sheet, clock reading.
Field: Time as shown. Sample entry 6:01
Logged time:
8:39
